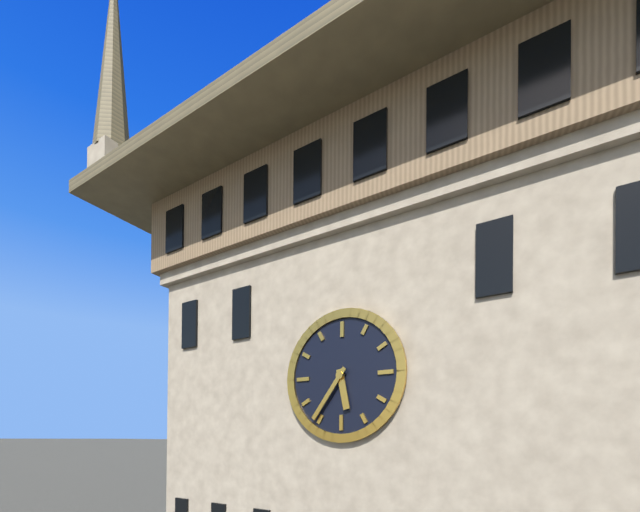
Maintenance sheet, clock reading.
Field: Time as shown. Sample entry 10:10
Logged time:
5:36
